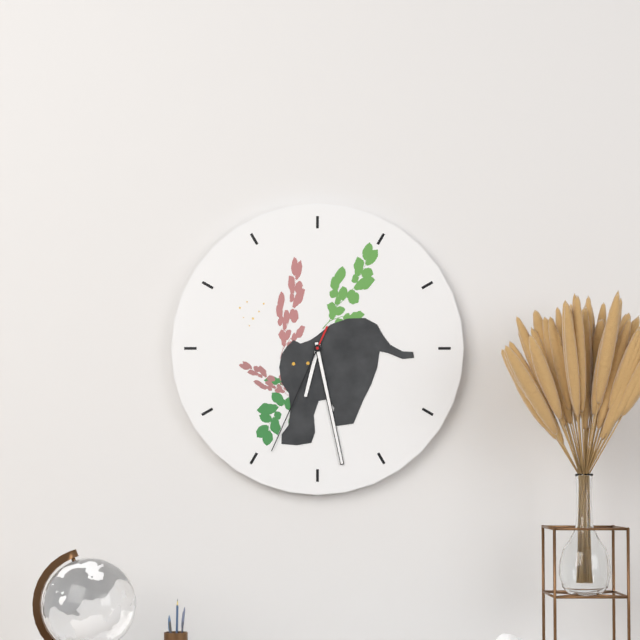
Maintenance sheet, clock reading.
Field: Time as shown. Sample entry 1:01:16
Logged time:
6:28:34
